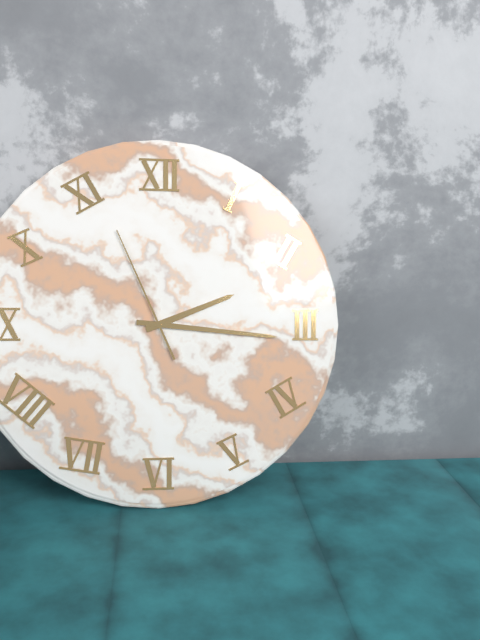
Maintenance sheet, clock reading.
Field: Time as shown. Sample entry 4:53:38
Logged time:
2:16:56
